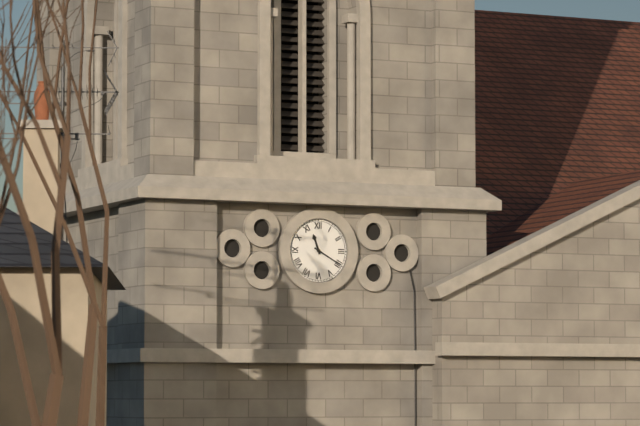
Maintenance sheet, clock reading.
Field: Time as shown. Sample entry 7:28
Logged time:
11:20
